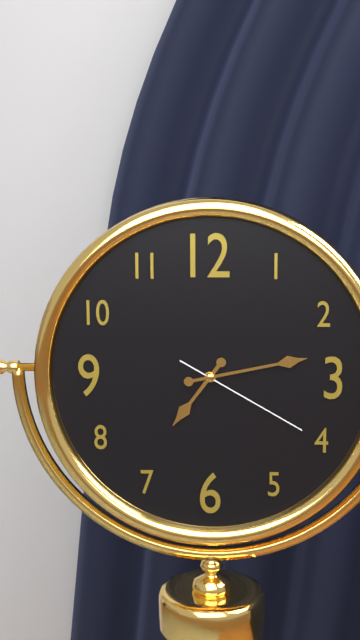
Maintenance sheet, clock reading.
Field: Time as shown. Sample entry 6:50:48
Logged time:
7:13:20
